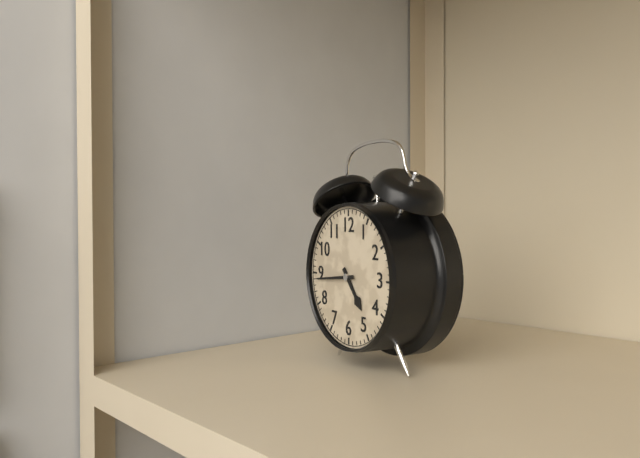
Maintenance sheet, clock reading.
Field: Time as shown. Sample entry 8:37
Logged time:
4:44
